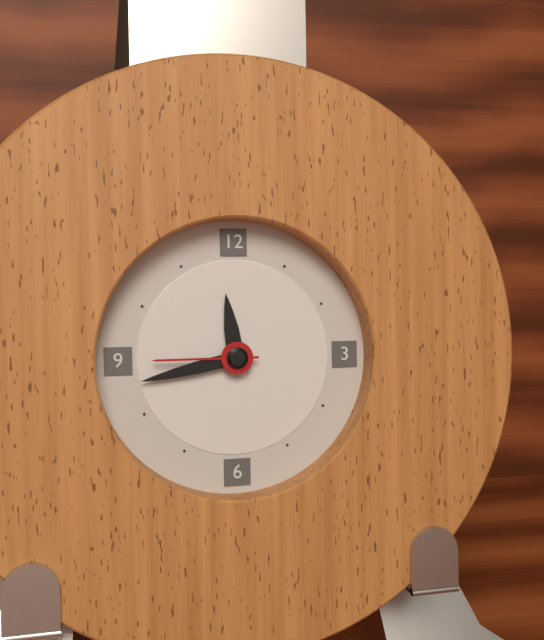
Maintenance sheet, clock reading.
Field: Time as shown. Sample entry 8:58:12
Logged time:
11:43:45
